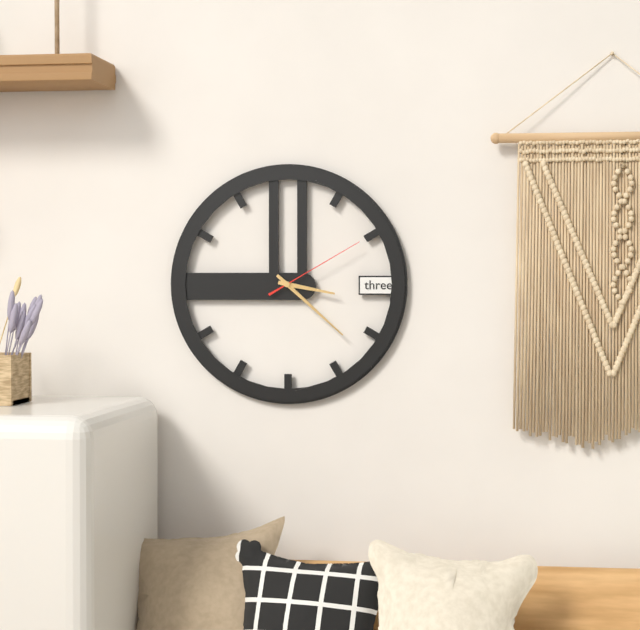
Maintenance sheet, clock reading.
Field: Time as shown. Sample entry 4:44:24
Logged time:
3:22:10
